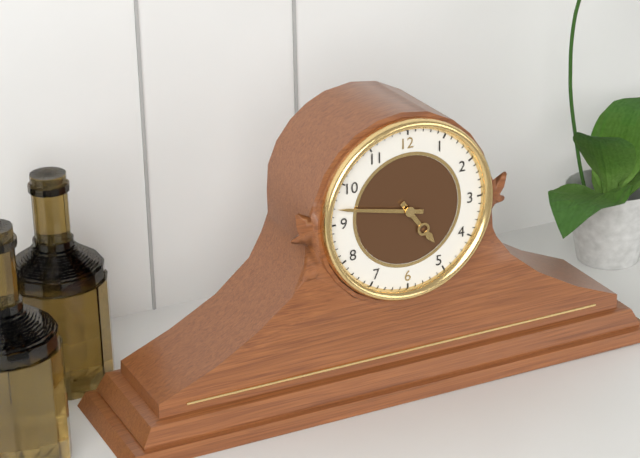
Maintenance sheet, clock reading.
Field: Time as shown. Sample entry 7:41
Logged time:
4:47
